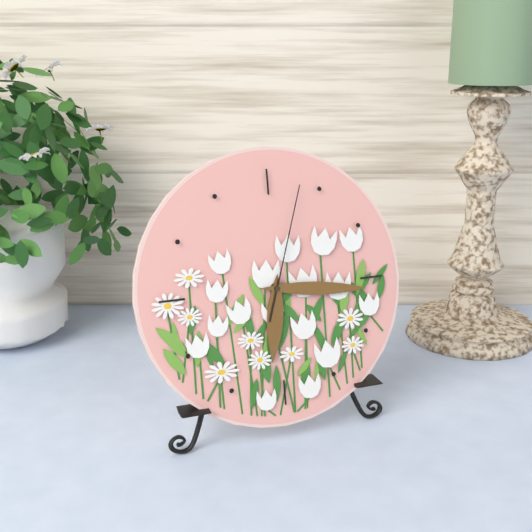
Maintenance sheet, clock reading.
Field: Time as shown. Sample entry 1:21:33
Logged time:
6:16:03
